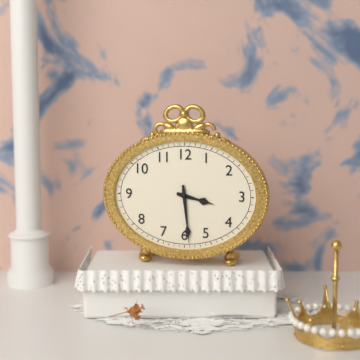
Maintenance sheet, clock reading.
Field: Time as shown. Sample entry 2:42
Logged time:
3:29
